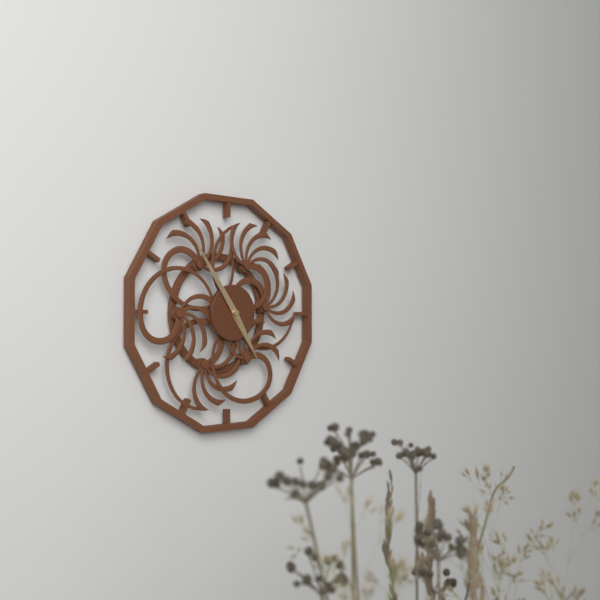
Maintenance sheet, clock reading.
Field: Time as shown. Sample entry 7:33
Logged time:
4:54
